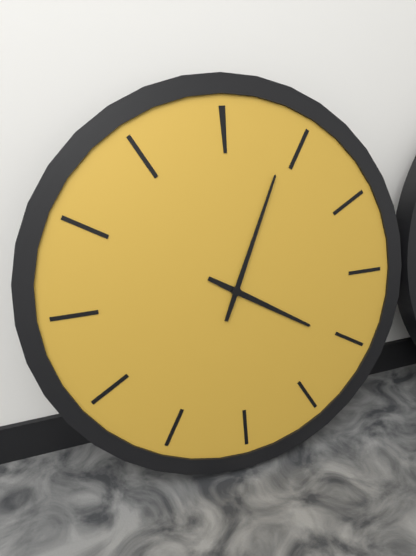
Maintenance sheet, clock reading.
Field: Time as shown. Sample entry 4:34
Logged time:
4:04
